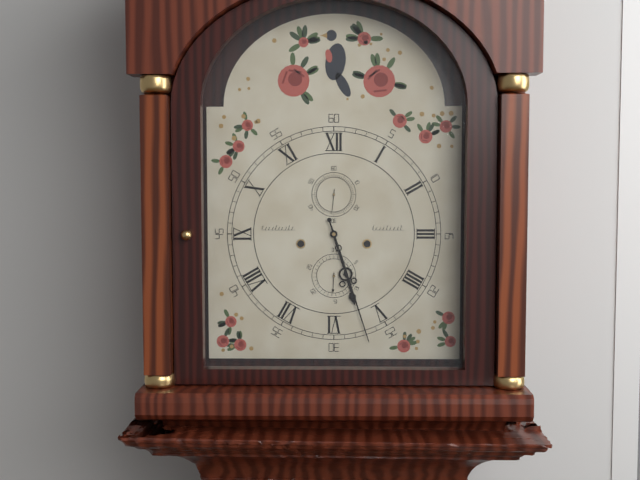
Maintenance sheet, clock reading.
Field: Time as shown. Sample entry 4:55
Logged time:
5:27
